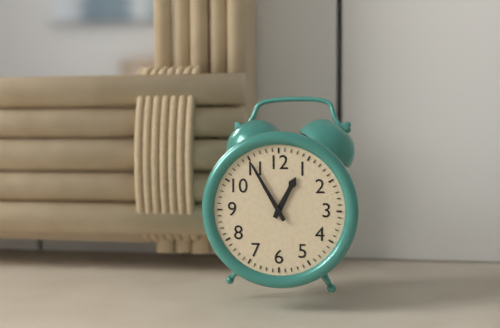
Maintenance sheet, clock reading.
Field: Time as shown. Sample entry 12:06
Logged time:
12:55
